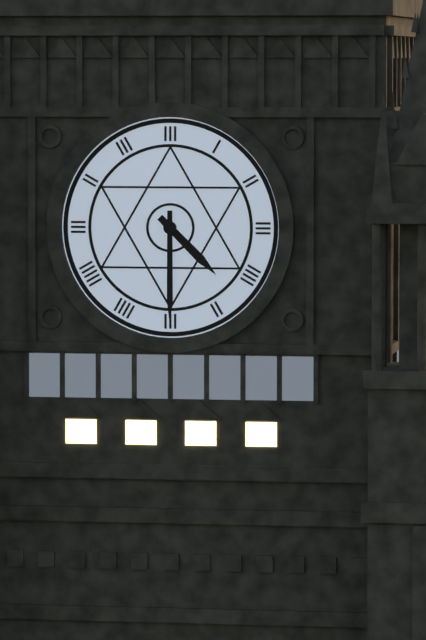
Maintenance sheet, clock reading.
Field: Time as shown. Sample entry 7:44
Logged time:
4:30
